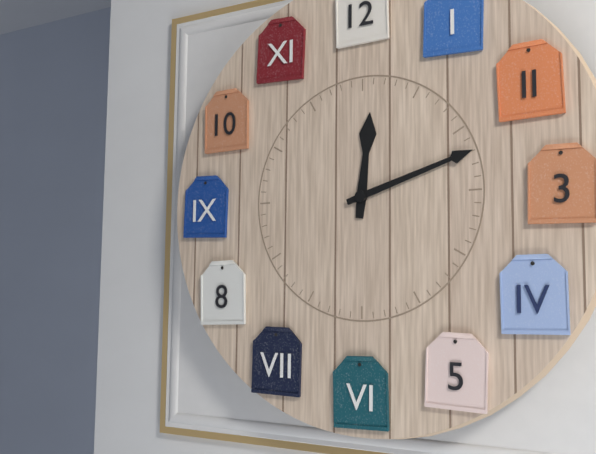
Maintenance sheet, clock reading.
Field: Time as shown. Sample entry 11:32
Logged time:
12:12
